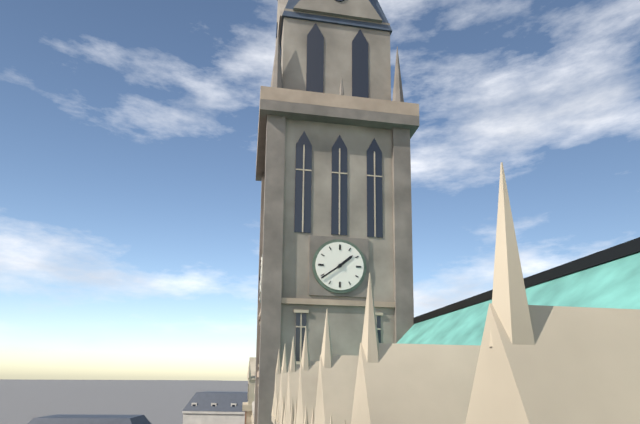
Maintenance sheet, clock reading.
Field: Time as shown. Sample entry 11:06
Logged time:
1:39
